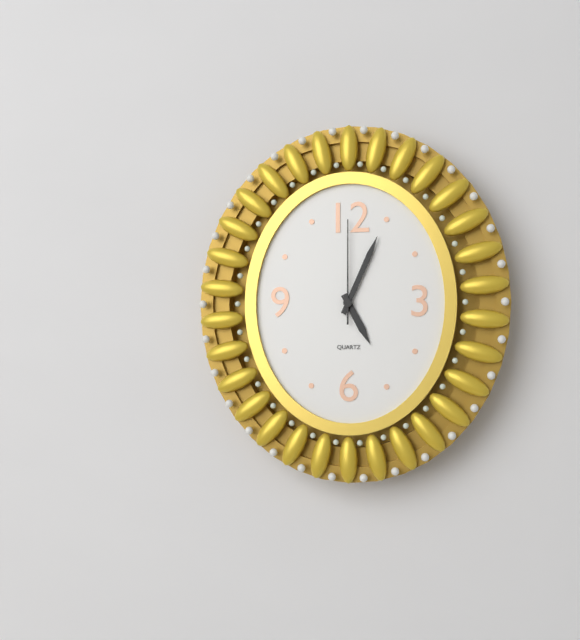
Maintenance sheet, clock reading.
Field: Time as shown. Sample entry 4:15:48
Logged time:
5:04:00
